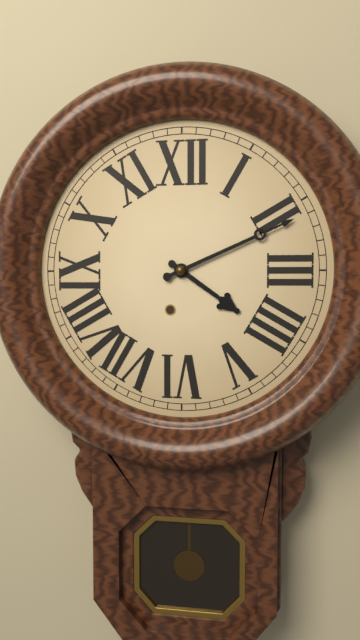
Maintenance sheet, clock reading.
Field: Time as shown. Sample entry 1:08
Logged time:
4:11
